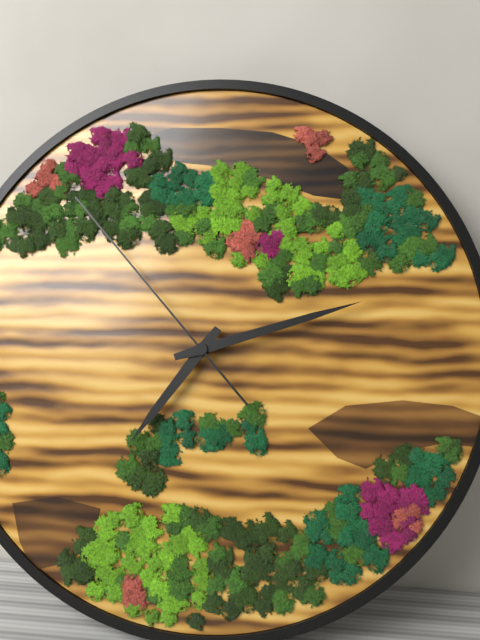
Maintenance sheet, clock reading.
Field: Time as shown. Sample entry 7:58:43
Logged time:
7:12:53
